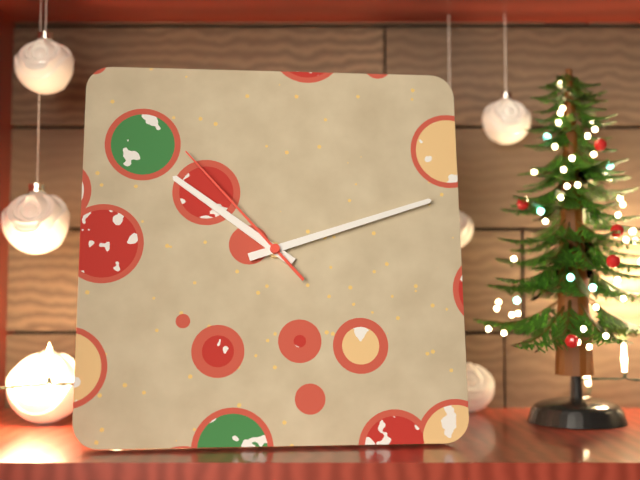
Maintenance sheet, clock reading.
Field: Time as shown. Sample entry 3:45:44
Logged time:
10:12:53
